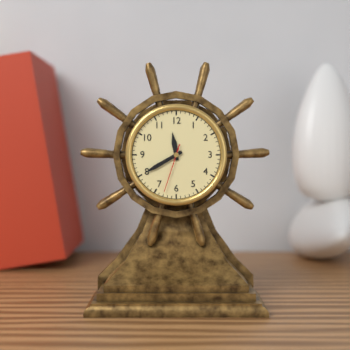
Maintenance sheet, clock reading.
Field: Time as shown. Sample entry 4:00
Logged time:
11:40
